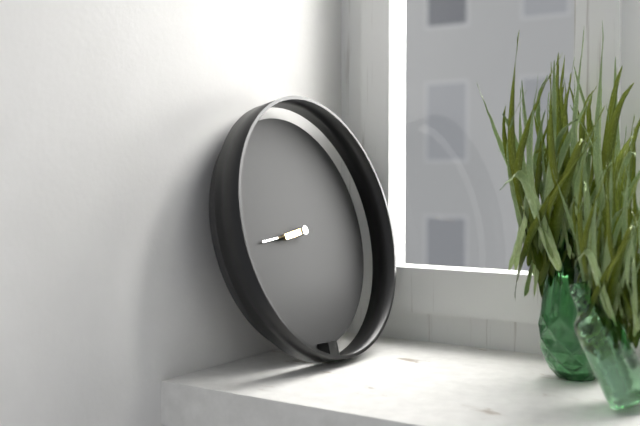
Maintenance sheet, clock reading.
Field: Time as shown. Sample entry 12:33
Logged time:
8:44
